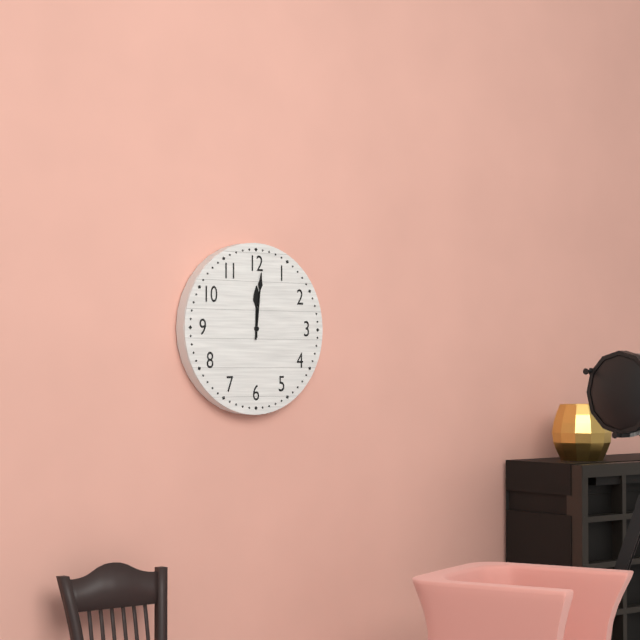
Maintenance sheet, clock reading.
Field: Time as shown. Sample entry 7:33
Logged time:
12:01
